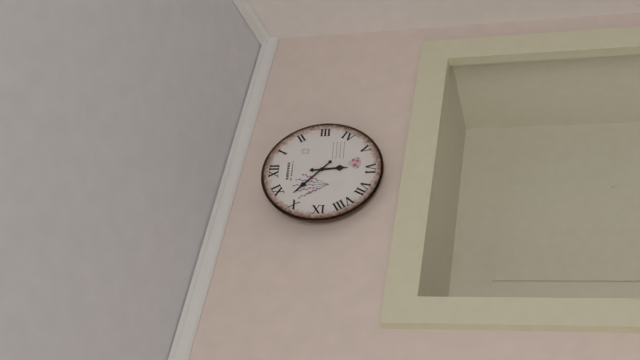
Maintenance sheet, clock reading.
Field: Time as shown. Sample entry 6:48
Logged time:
5:52
